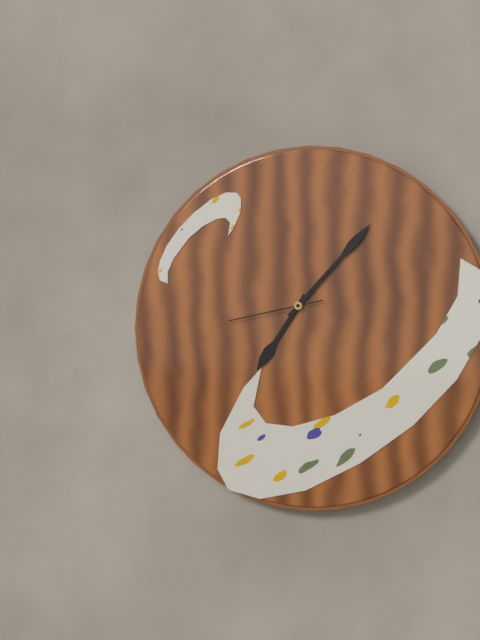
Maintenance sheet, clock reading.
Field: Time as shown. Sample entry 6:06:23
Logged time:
7:07:43
